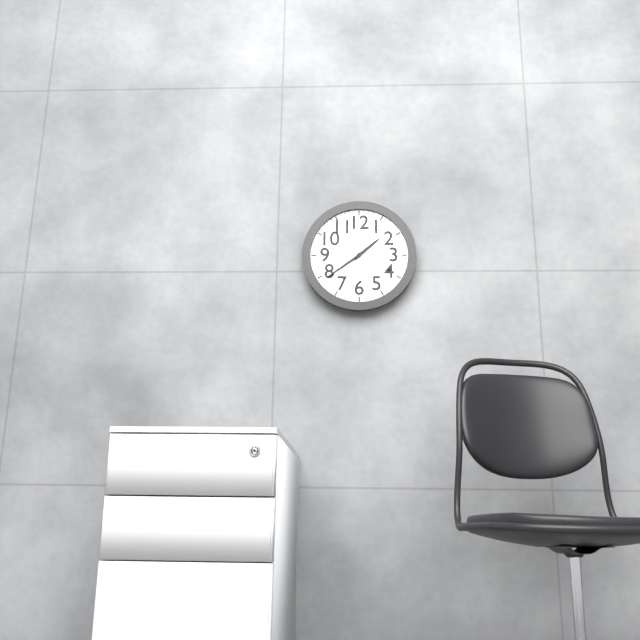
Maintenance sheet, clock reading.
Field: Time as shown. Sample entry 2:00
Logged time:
1:39
